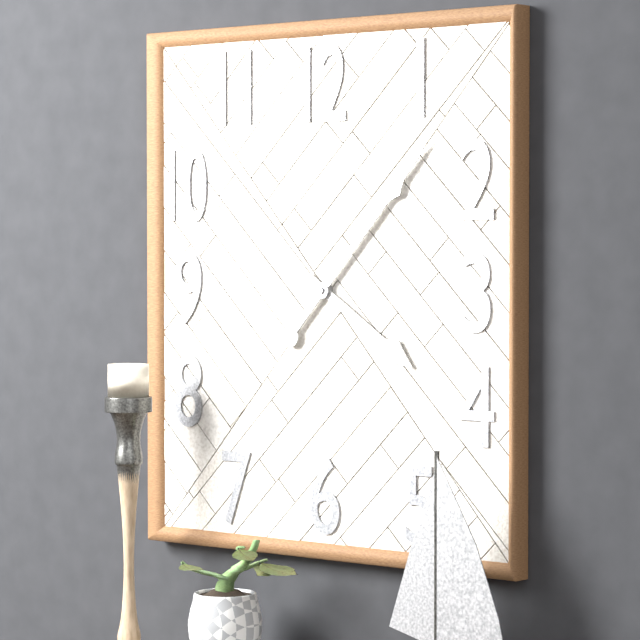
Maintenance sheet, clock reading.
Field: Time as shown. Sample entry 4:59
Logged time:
4:07
